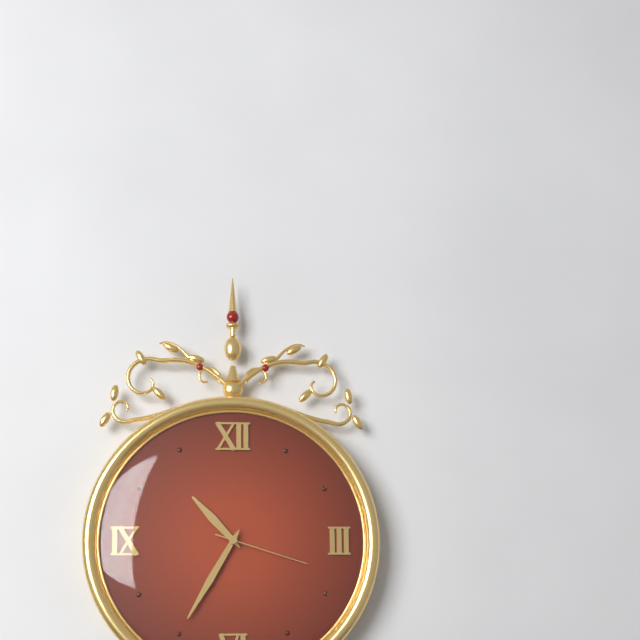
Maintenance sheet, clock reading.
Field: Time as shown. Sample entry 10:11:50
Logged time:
10:35:18
